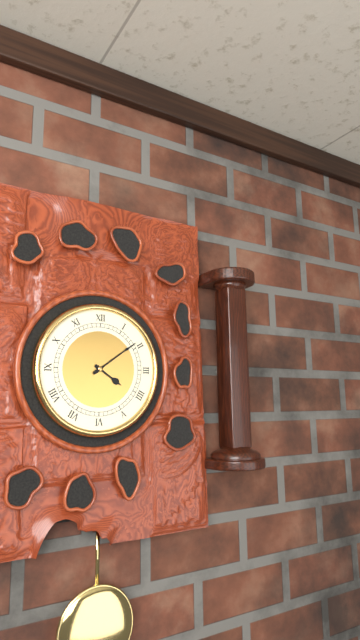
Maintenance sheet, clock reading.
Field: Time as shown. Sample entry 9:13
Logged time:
4:09
